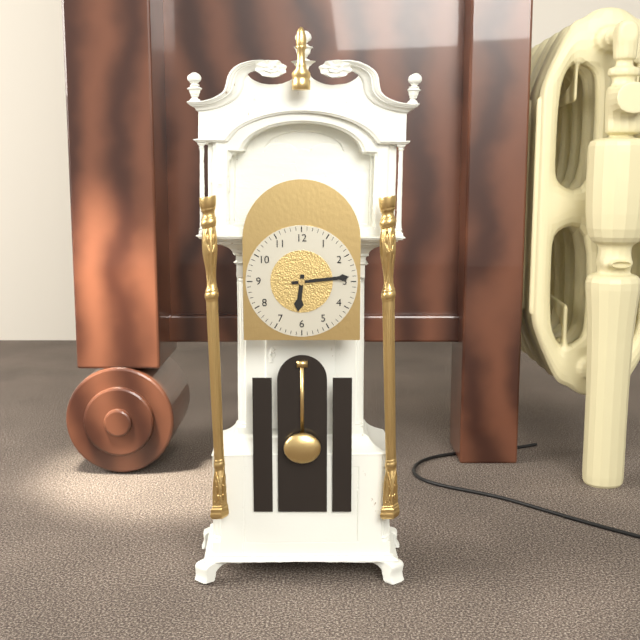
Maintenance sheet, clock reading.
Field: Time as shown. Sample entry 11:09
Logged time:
6:14
